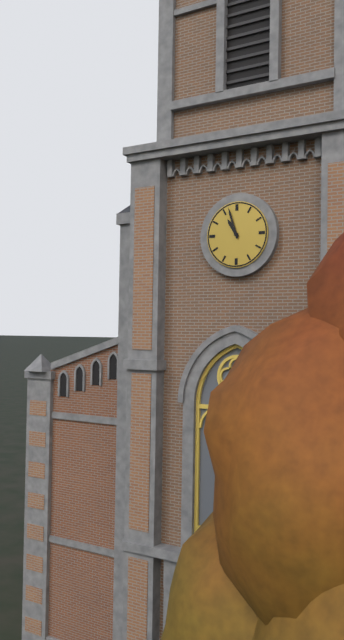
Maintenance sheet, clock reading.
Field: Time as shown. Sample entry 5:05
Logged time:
10:57
